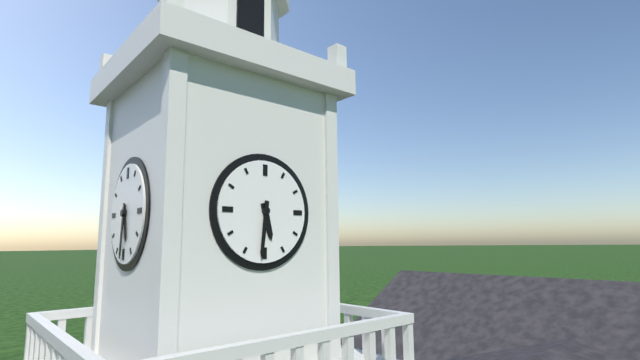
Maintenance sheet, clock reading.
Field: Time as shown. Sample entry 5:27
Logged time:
5:31
